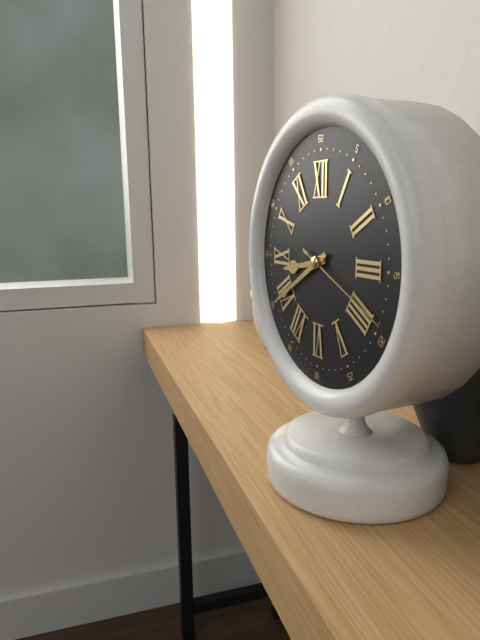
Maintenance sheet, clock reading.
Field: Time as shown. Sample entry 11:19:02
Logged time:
8:40:19
